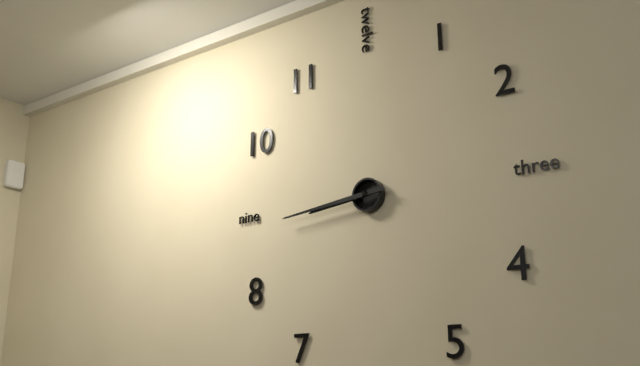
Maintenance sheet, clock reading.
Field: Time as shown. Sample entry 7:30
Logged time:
8:44
